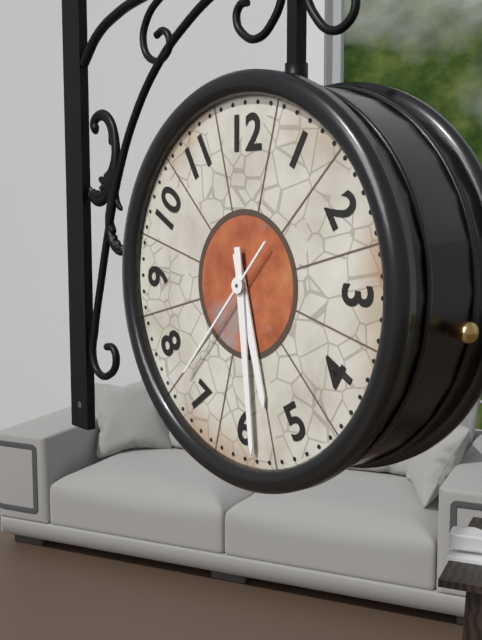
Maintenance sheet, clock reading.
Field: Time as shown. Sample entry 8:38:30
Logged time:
5:29:37
